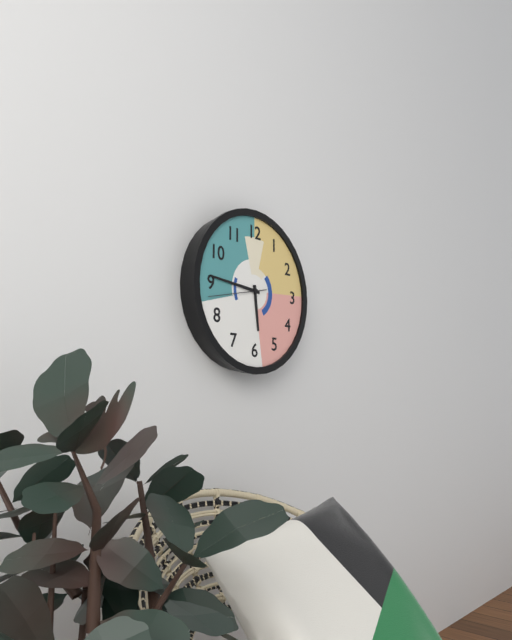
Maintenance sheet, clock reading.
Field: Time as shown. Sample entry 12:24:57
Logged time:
5:46:43
